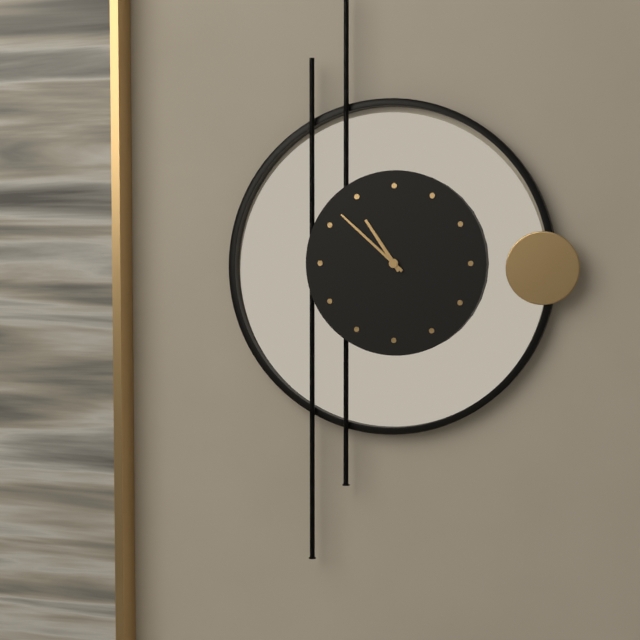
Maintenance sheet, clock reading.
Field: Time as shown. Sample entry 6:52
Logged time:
10:52
